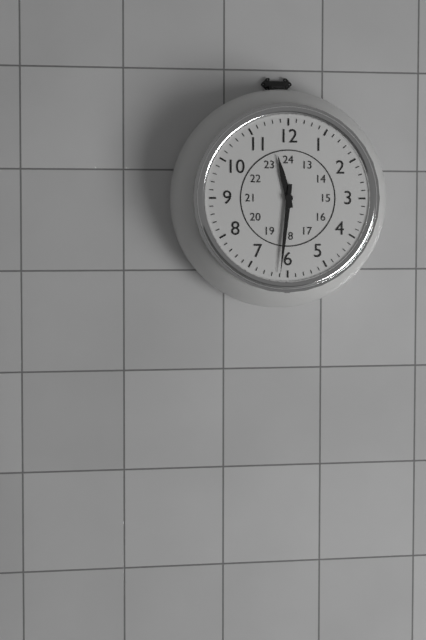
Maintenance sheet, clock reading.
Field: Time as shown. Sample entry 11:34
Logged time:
11:31
